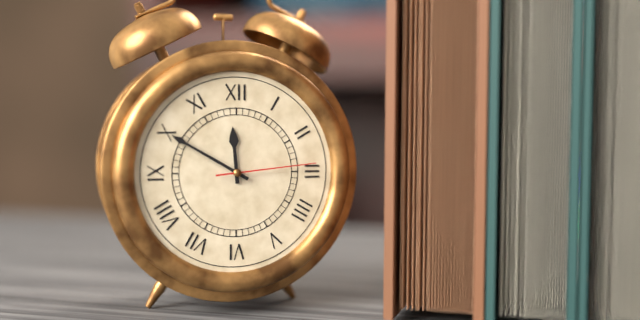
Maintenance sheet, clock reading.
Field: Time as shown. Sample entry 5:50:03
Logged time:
11:50:14
